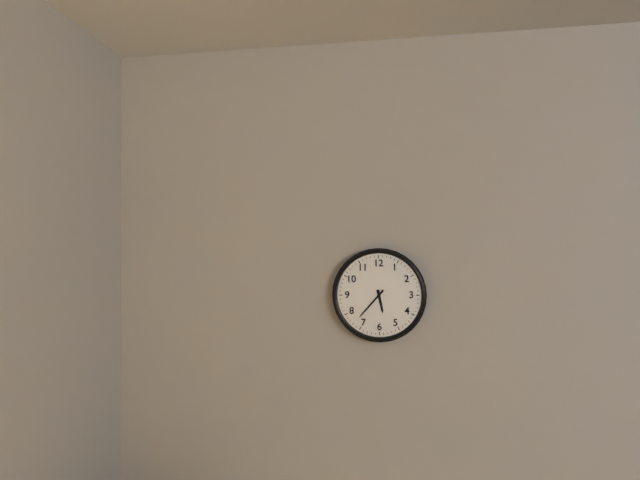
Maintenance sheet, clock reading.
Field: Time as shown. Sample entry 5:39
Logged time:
5:37
